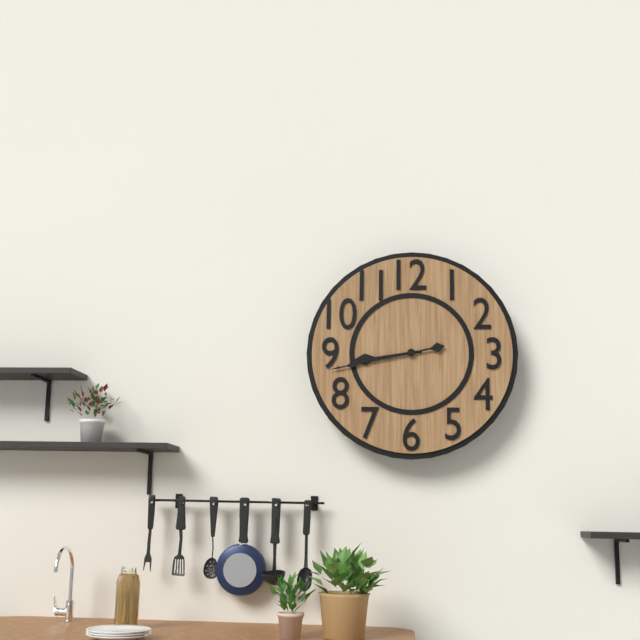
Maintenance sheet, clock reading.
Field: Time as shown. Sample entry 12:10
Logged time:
8:43
